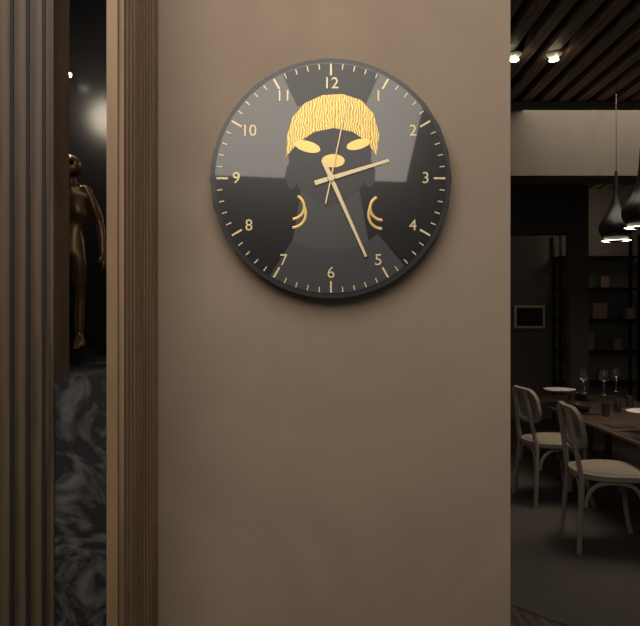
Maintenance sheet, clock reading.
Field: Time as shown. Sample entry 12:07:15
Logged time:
2:26:02
